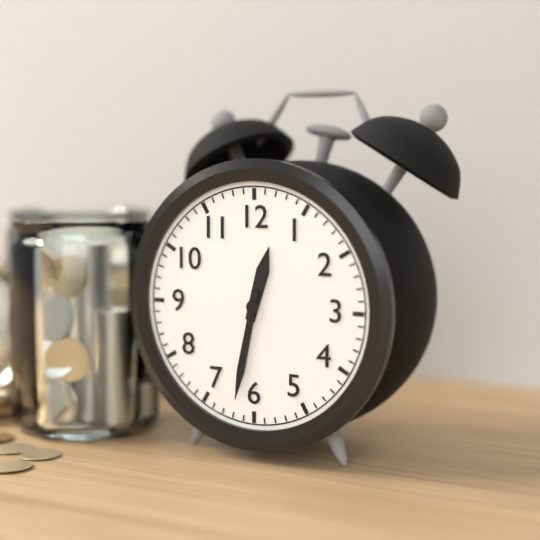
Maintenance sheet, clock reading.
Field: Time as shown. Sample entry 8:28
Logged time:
12:32
